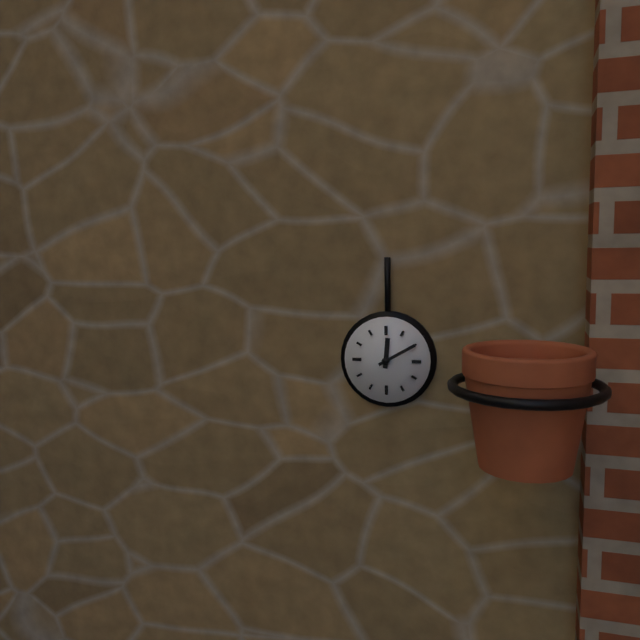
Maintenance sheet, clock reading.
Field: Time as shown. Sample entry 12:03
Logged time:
12:10
